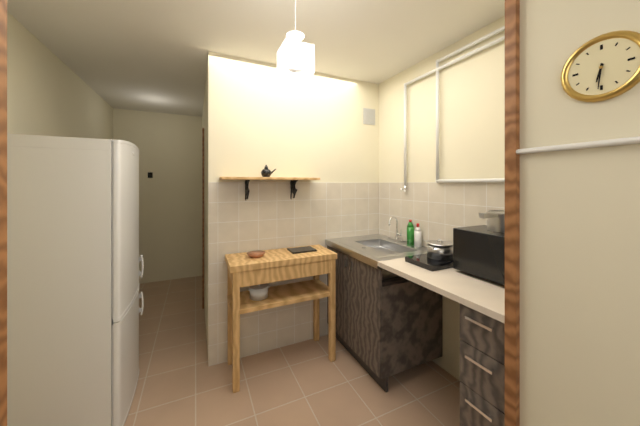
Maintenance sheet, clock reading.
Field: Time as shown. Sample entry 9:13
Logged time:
6:31
